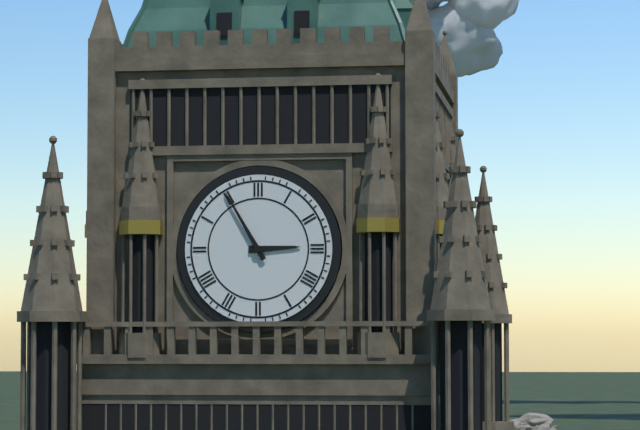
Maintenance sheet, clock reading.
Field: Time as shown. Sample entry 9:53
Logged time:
2:55
